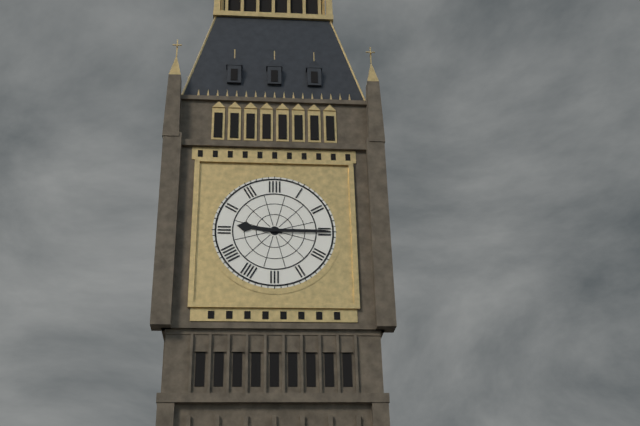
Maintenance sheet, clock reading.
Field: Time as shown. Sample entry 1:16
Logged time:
9:15
